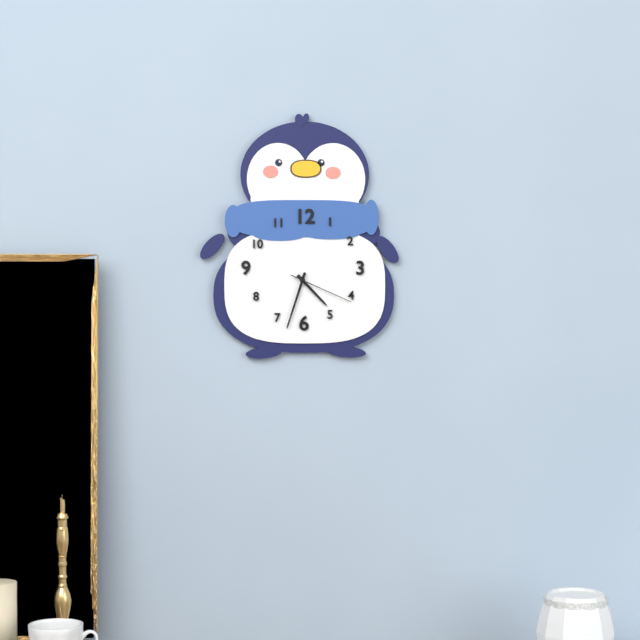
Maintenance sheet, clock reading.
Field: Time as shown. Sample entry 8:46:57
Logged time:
4:33:19
